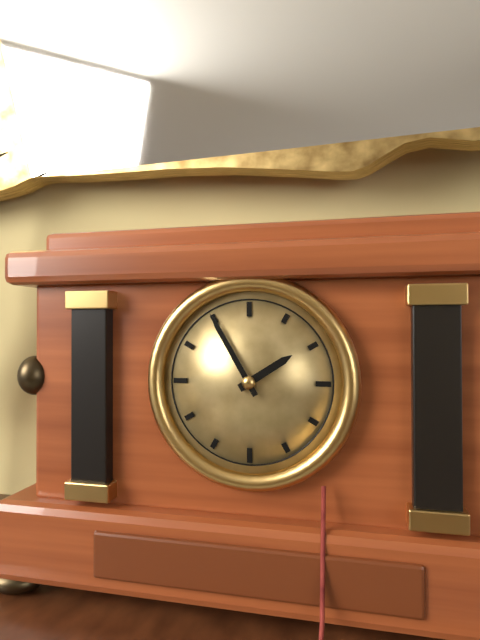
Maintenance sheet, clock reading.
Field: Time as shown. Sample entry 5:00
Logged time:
1:55
